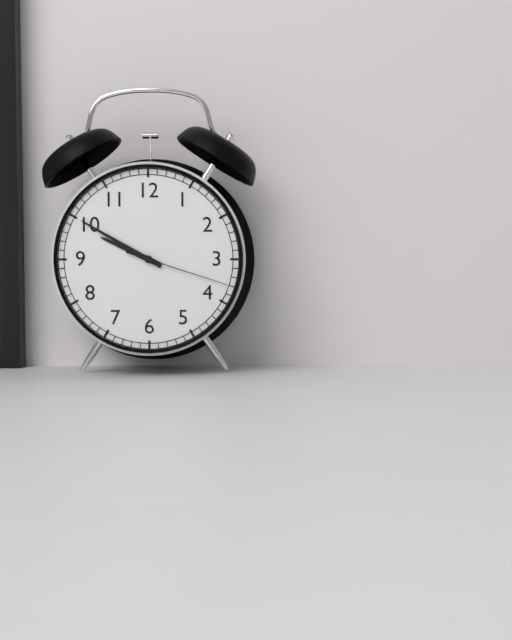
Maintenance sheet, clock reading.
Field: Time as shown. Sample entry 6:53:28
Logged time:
9:50:18
